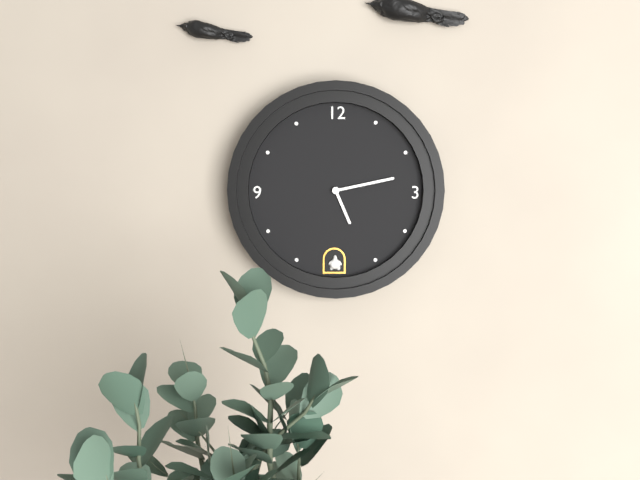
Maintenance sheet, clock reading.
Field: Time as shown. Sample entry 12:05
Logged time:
5:13
